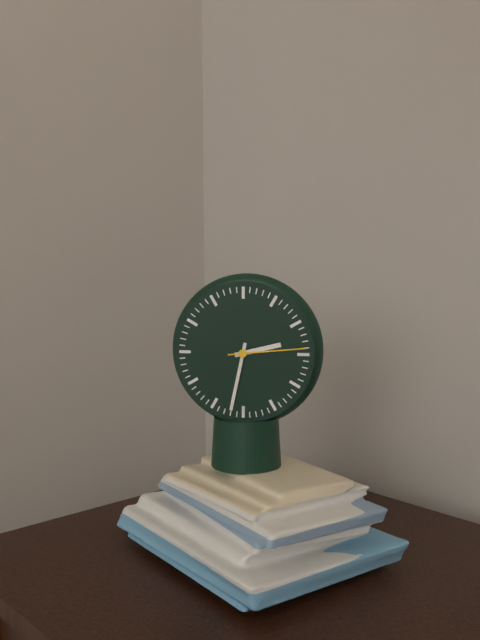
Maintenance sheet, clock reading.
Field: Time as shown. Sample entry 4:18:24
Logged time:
2:32:14
